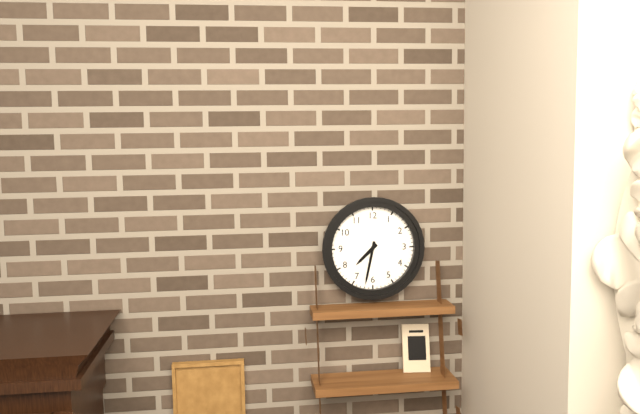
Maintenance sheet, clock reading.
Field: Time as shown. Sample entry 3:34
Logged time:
7:32
